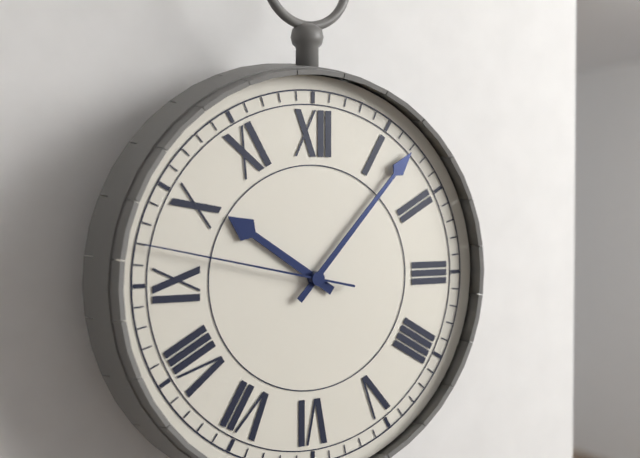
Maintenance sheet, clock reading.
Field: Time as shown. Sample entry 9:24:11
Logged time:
10:07:47
